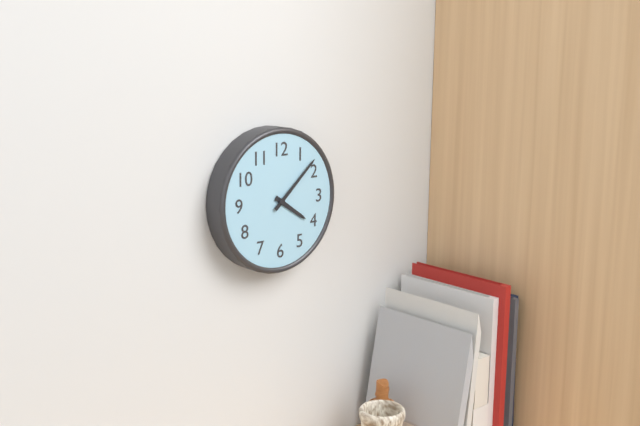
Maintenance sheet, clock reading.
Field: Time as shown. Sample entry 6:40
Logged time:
4:08
